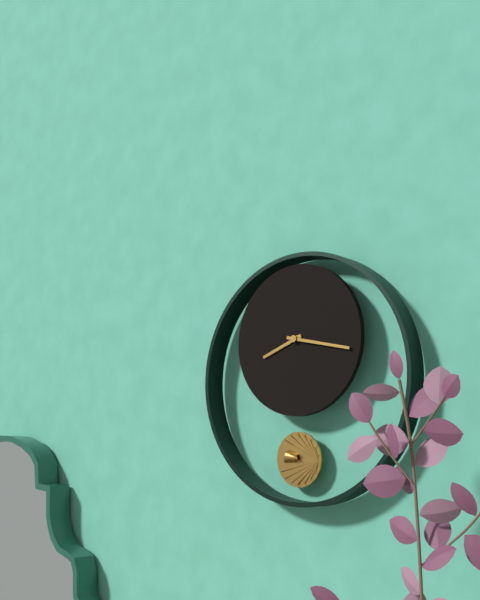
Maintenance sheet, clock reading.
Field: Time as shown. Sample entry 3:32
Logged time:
8:17
